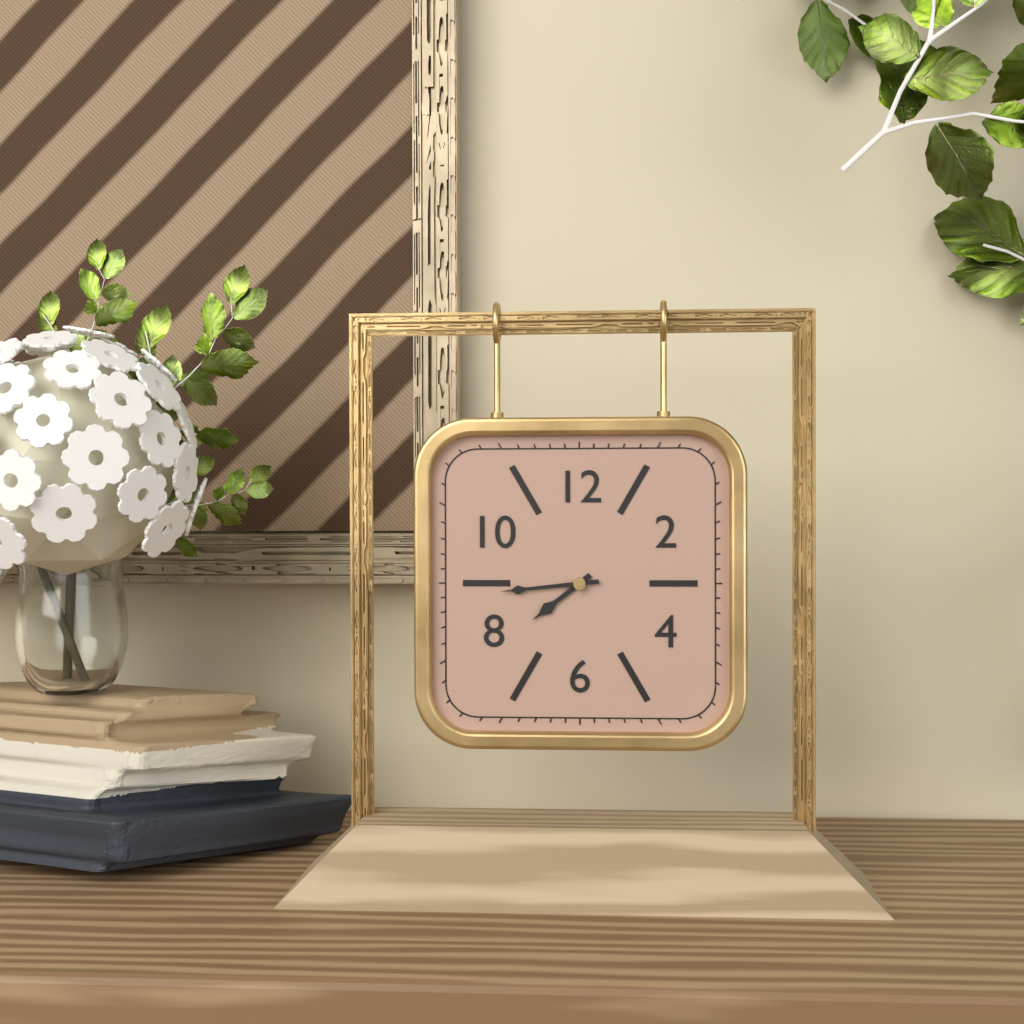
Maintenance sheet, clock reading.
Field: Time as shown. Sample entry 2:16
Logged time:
7:44
